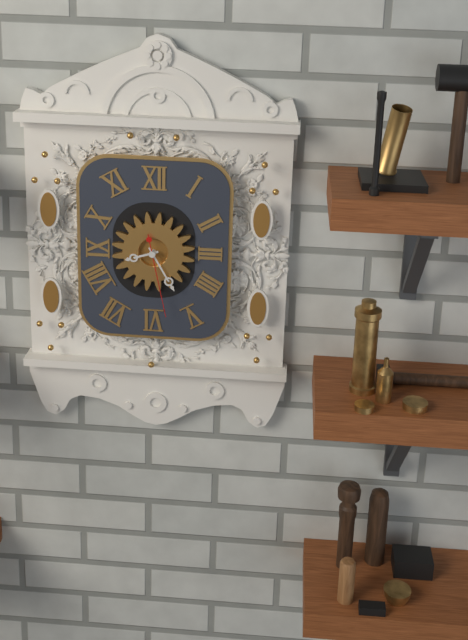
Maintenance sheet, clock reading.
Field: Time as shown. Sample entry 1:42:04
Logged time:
8:25:28
